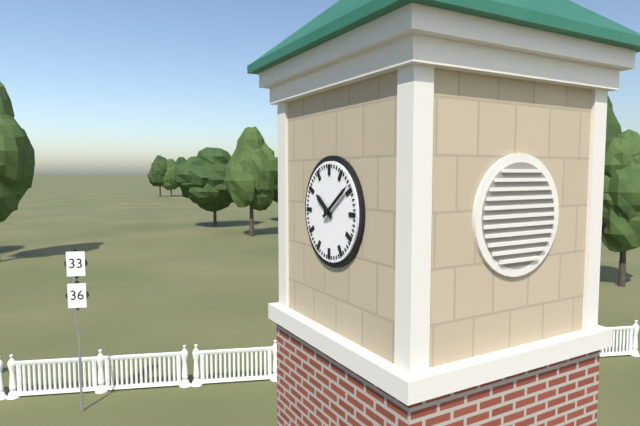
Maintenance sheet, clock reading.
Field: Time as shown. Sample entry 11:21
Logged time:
10:09
